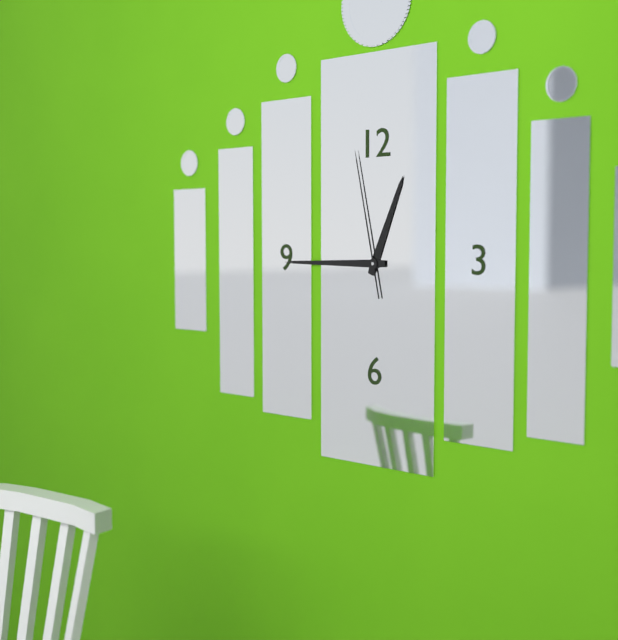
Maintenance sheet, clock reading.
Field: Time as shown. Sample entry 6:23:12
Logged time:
12:45:58
